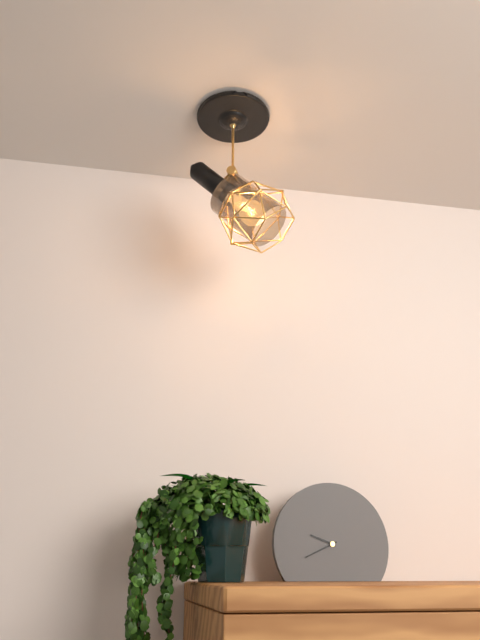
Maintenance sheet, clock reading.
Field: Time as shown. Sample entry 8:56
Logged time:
9:41
